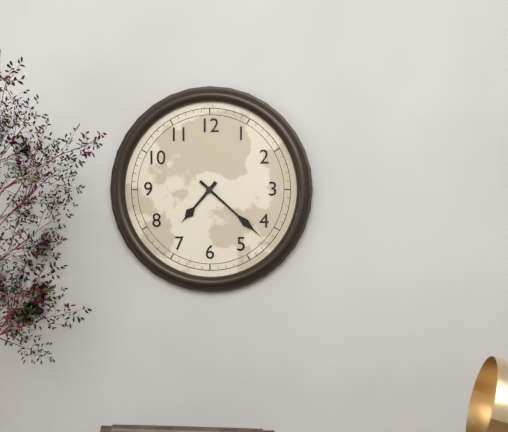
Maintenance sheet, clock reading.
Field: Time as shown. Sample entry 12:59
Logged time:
7:22
